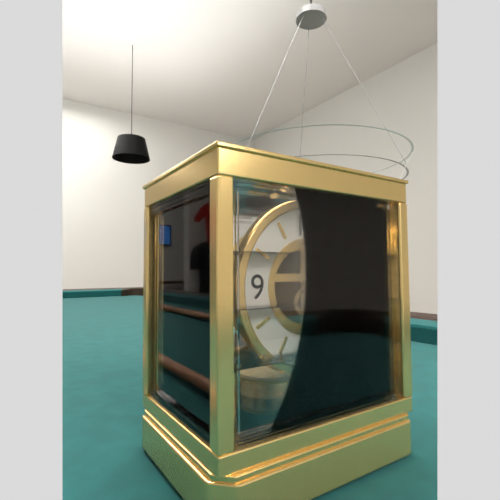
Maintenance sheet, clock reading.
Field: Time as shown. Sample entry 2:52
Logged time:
4:10
